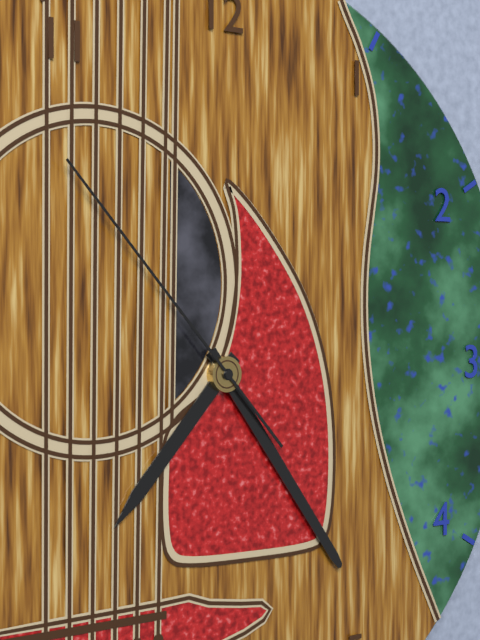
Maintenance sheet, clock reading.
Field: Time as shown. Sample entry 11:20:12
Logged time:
7:24:53
